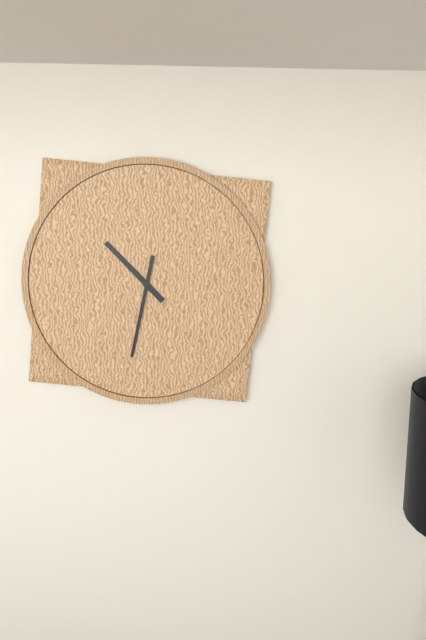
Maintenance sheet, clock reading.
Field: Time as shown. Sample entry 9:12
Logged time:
10:32
